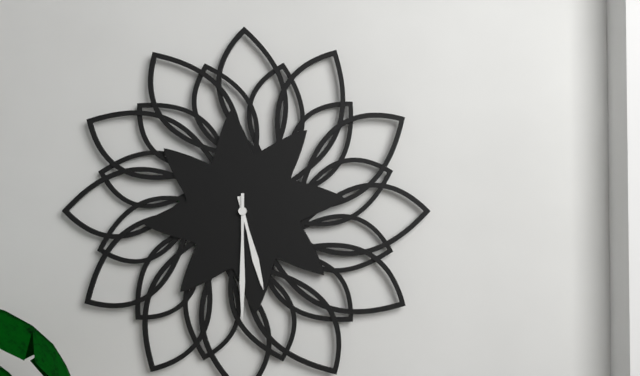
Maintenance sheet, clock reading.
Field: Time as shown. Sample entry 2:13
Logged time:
5:30
